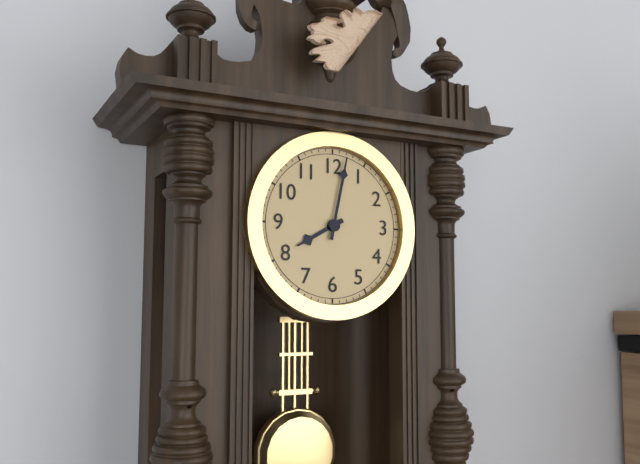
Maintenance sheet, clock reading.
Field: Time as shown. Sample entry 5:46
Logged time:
8:02
